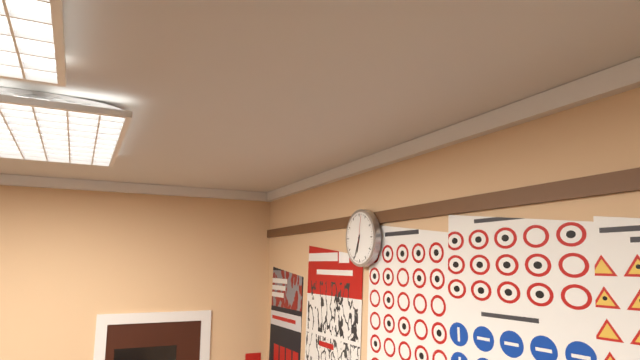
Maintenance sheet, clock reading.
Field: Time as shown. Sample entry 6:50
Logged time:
6:34
